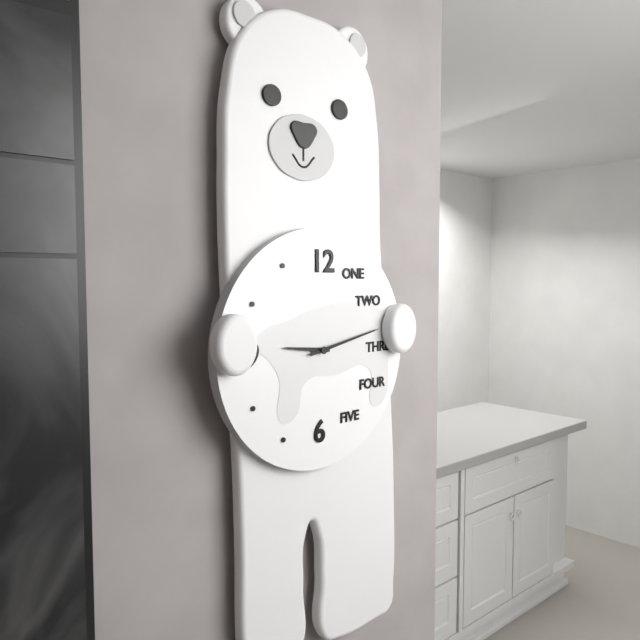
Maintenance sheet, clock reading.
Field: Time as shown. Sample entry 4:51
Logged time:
9:13
